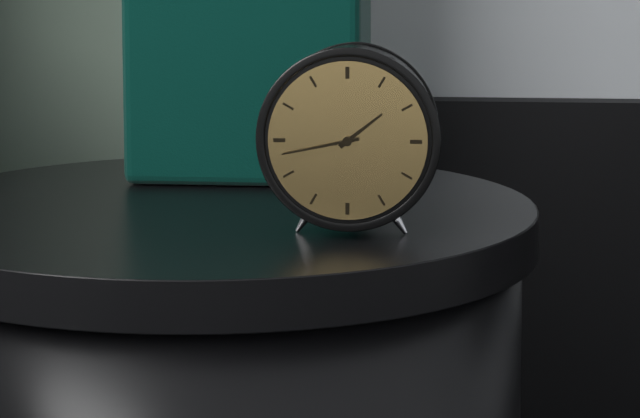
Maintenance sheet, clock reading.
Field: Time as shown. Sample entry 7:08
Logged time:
1:43
